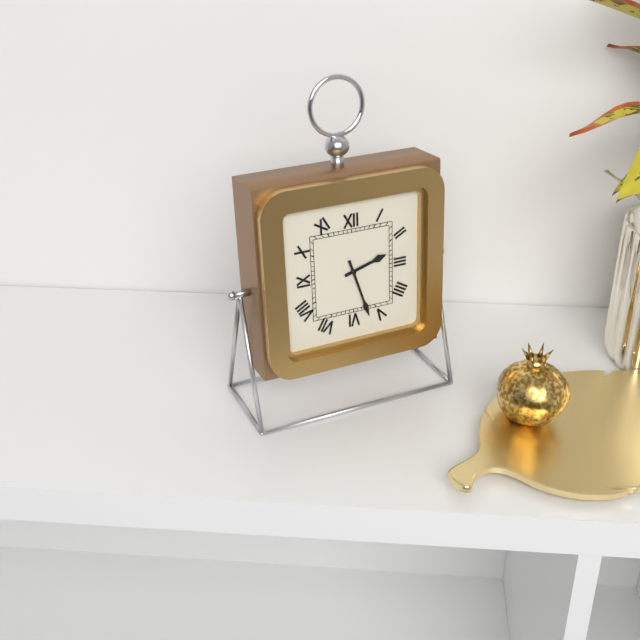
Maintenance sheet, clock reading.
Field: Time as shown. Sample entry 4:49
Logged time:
2:27
